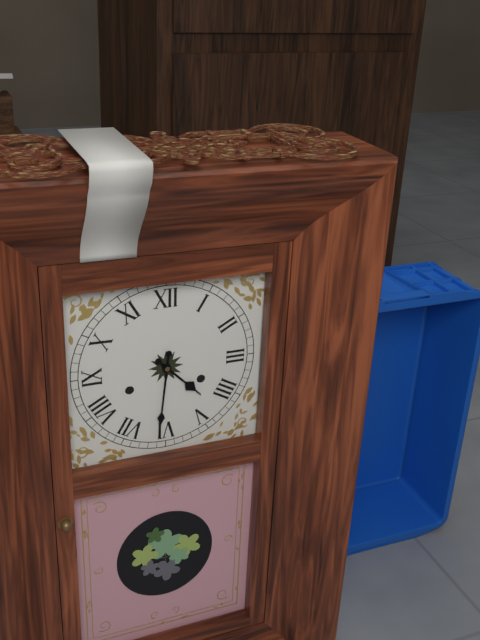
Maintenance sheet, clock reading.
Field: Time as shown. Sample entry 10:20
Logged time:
4:31
